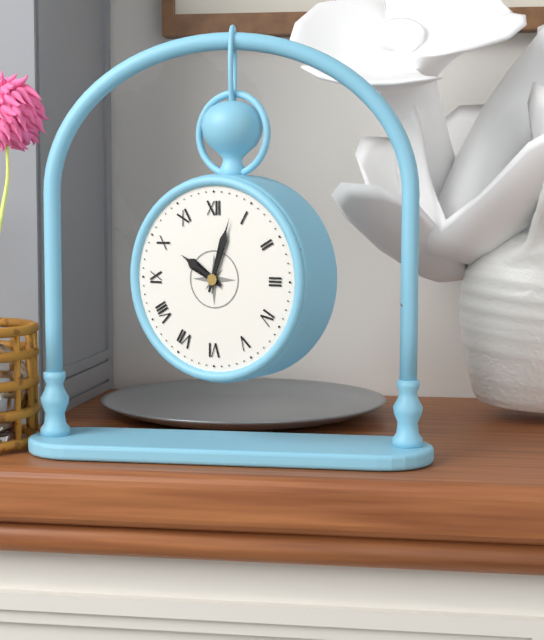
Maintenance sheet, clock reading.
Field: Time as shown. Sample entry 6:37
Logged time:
10:03
